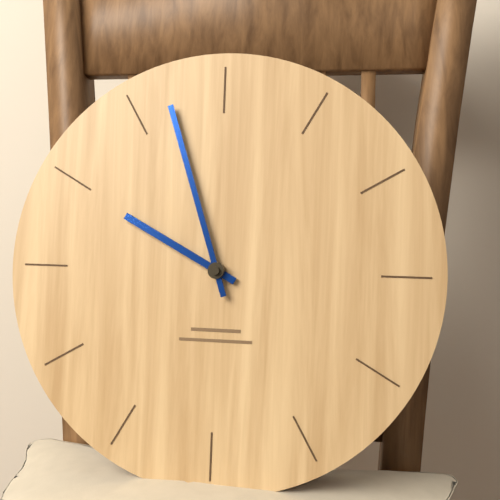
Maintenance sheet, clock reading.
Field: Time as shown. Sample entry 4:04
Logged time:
9:57
